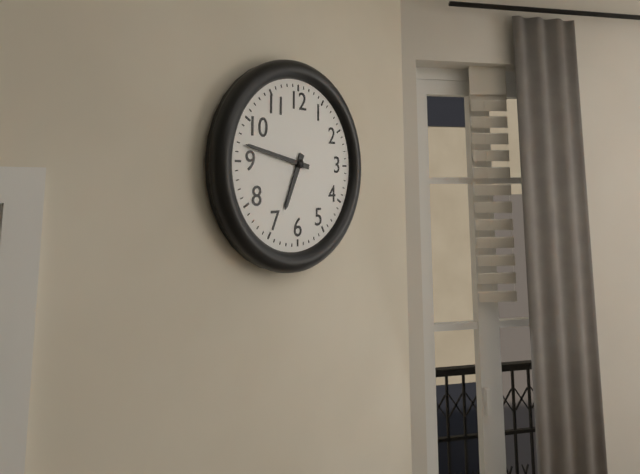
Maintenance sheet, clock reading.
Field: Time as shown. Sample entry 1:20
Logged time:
6:47
